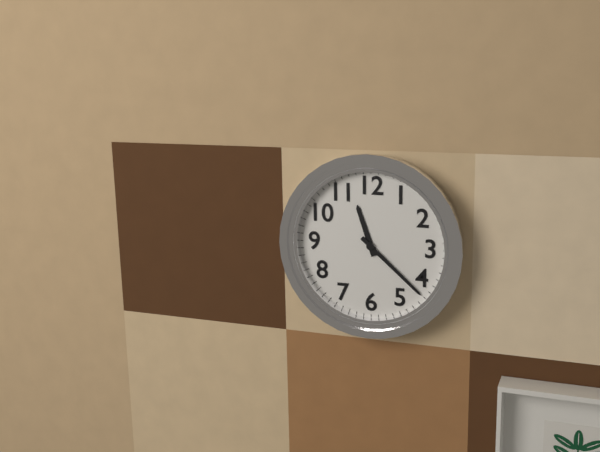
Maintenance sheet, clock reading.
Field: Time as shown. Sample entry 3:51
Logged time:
11:22
